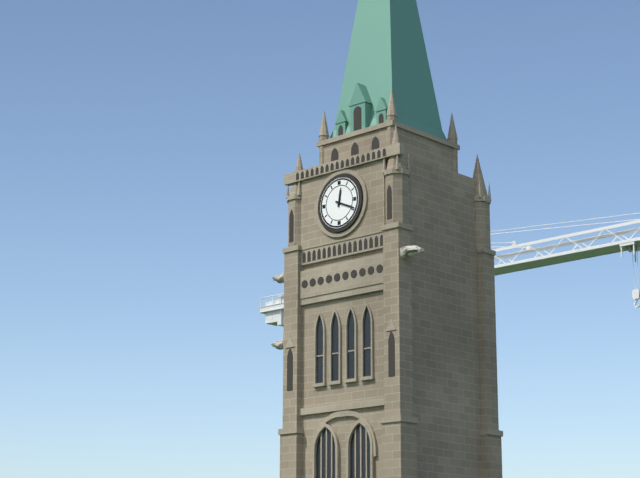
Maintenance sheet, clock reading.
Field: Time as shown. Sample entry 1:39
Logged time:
12:19
